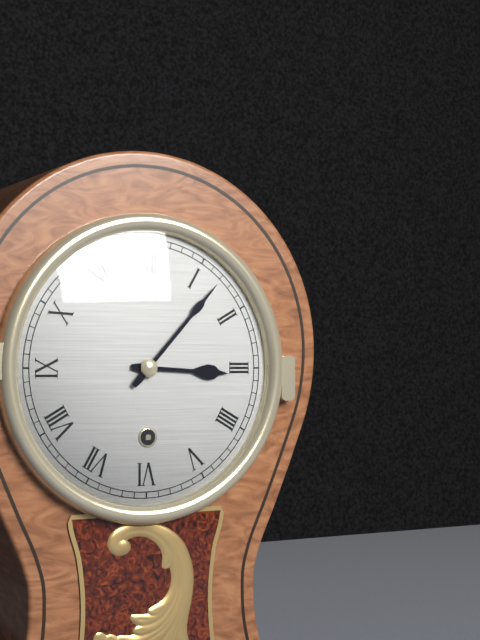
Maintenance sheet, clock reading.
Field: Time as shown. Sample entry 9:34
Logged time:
3:07
